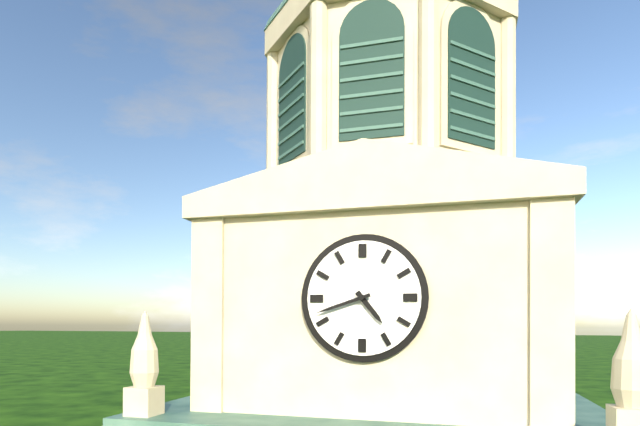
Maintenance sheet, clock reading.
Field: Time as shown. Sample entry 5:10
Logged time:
4:42
